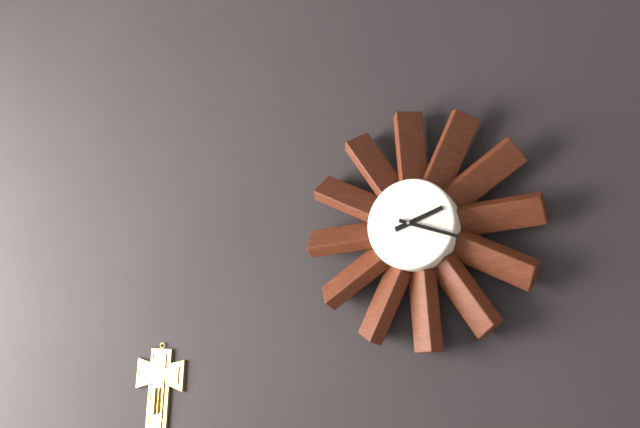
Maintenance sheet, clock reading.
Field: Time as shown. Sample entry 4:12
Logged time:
2:18
